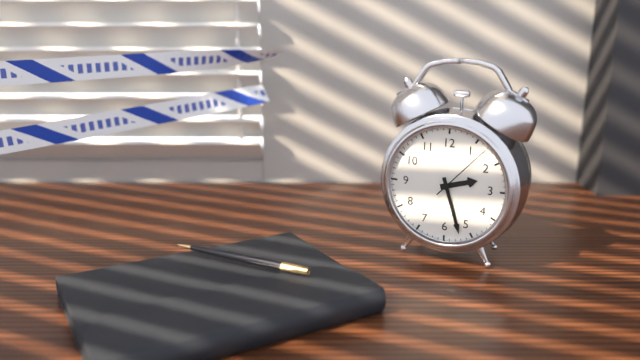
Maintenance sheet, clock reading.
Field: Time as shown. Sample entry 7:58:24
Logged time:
2:27:07
